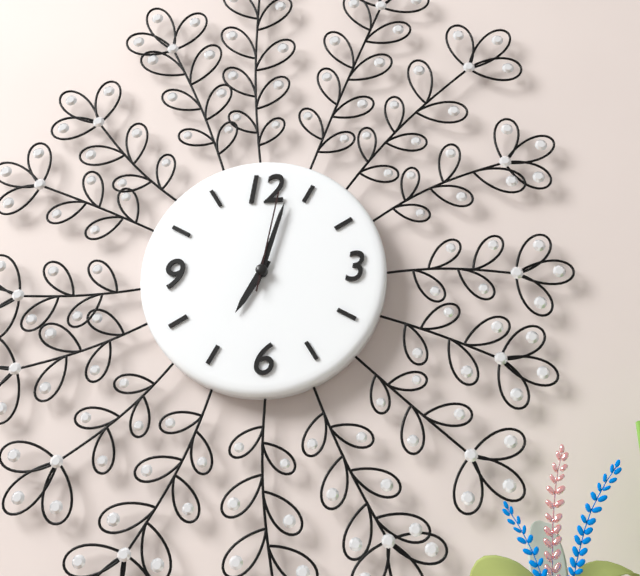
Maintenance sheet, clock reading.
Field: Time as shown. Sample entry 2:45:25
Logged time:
7:03:02
